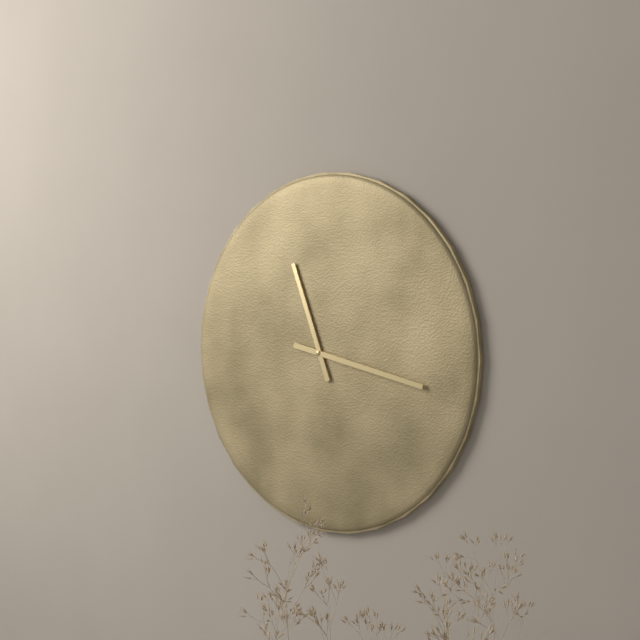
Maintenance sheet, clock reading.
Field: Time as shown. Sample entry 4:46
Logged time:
11:17
